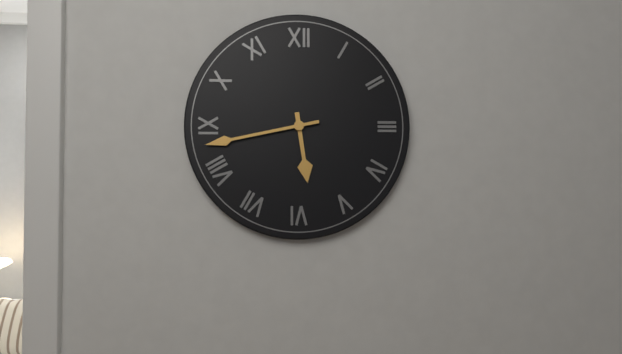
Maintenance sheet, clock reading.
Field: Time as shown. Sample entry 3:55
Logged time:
5:43
